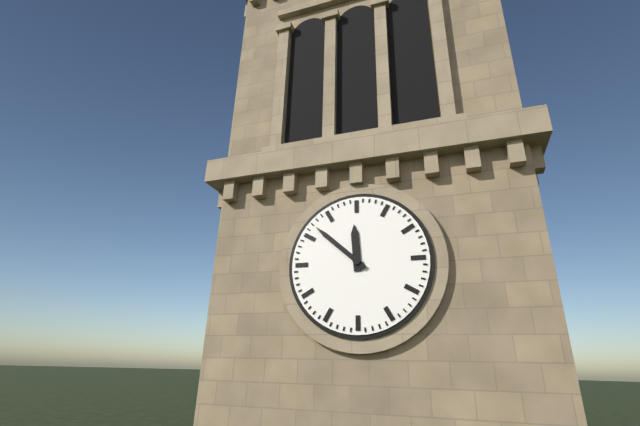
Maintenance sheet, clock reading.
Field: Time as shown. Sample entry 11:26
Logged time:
11:52
